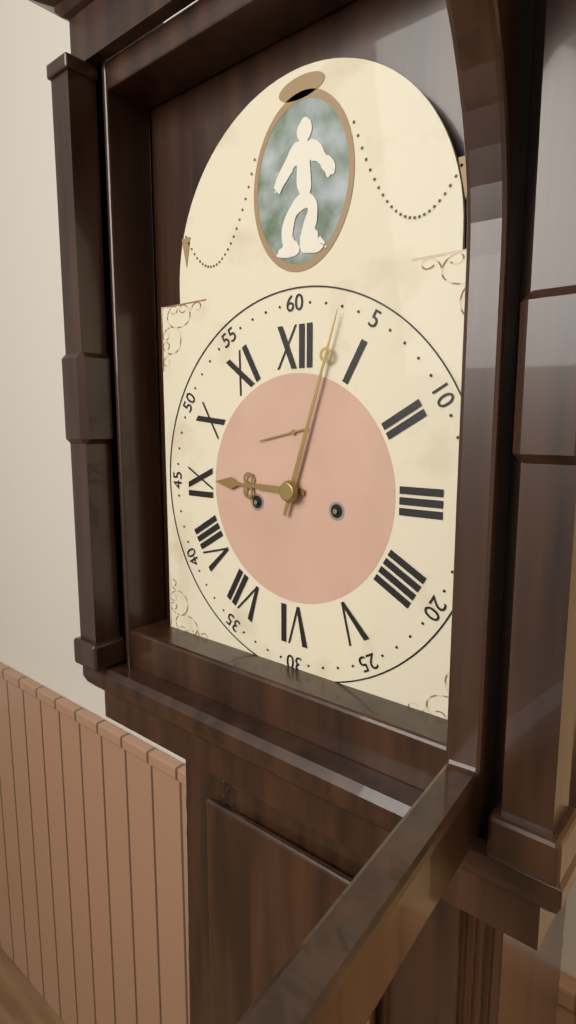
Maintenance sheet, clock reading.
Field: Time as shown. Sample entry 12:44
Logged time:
9:03
